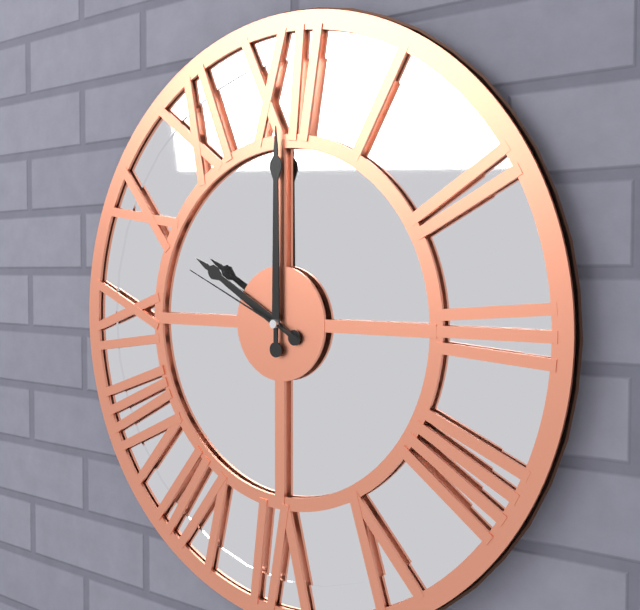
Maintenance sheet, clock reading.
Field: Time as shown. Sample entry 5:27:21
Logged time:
10:00:49
